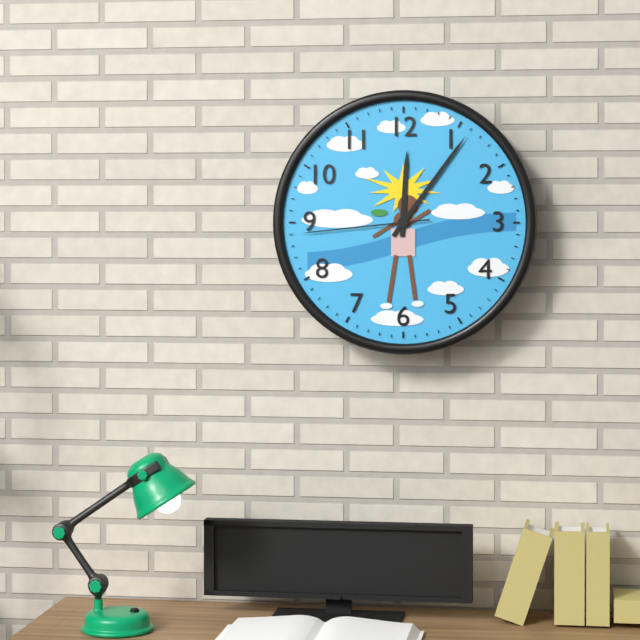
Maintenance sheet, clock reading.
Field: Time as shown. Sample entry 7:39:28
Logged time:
12:06:44
